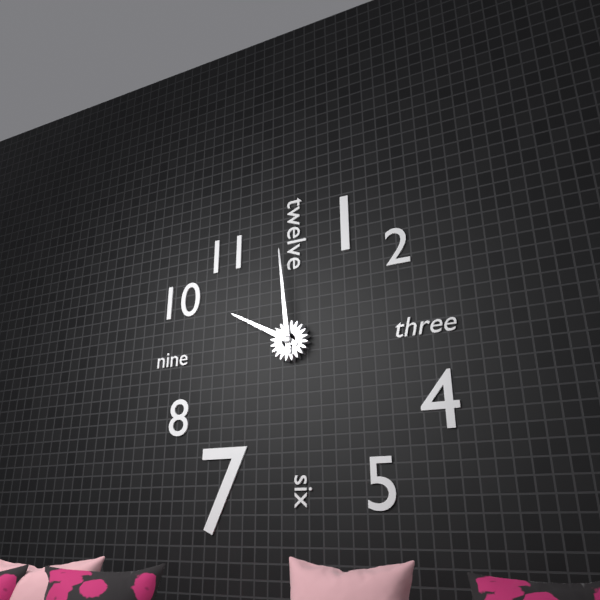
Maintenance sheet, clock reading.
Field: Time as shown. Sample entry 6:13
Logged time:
9:59
